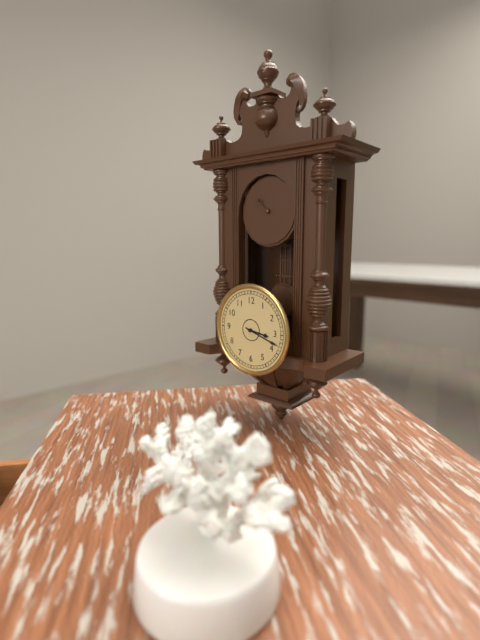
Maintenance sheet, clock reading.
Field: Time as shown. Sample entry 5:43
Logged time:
3:18
